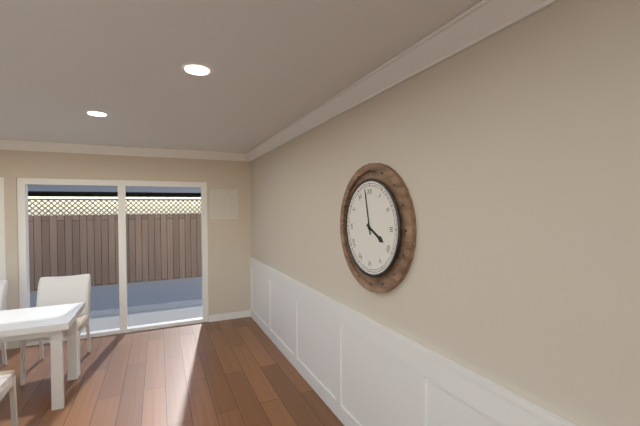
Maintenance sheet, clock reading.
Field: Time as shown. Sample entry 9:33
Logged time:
3:58
